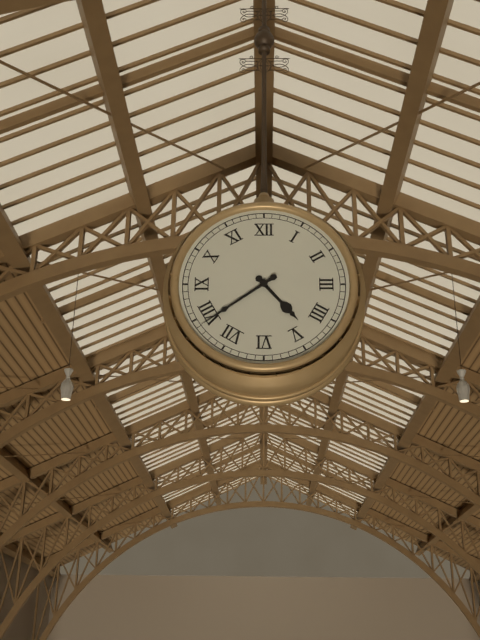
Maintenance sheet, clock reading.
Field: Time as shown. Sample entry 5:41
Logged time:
4:39
